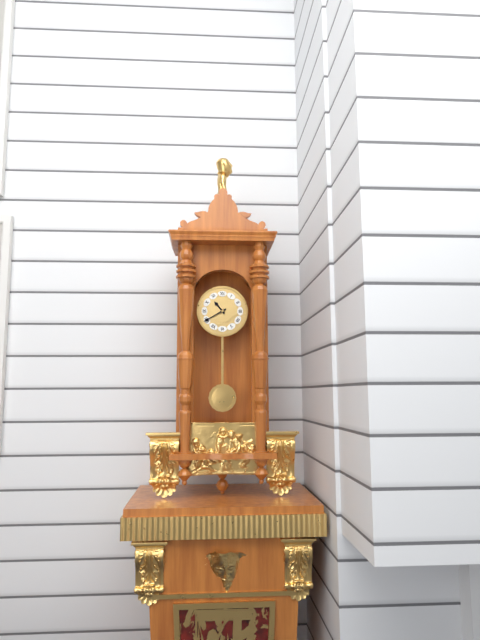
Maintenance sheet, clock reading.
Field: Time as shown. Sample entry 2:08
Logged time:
10:40
